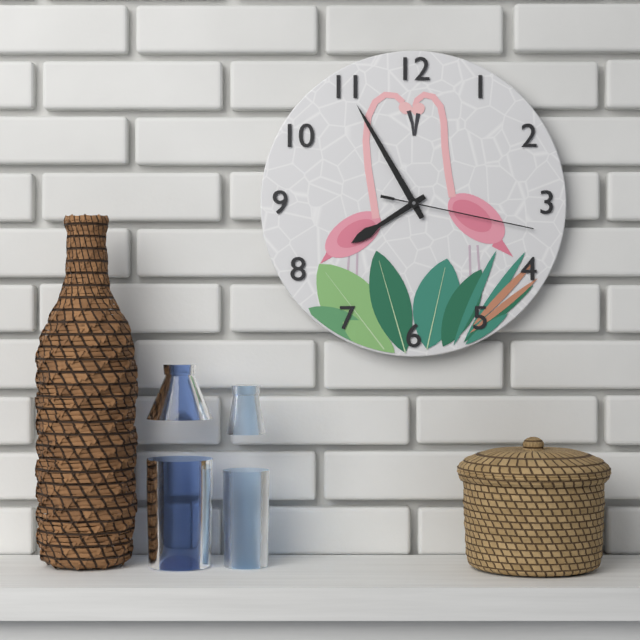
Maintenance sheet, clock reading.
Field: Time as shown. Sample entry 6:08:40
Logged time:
7:55:17
